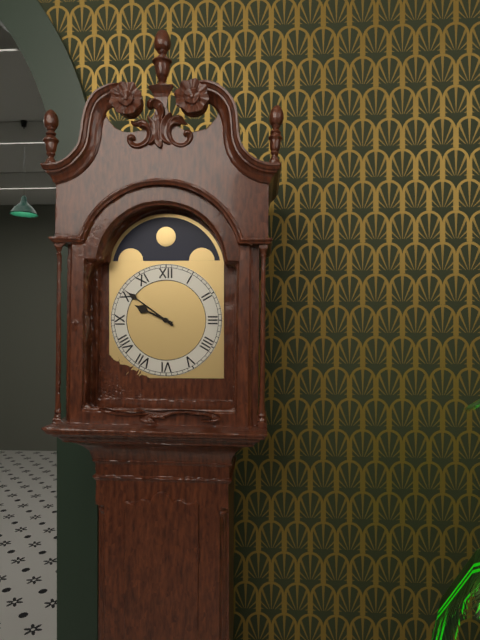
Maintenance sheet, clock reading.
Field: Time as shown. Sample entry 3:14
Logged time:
9:51
